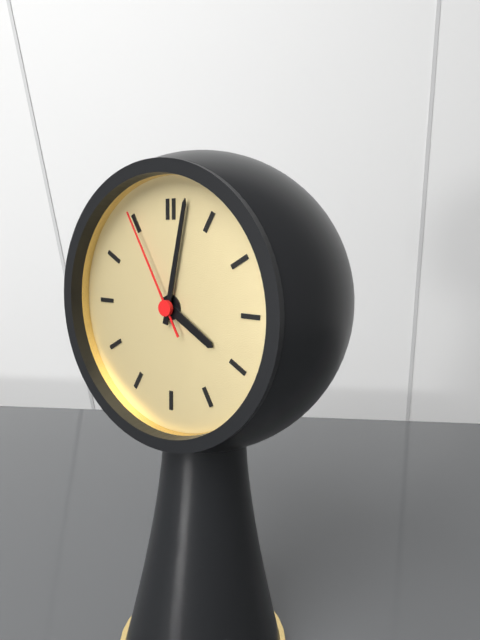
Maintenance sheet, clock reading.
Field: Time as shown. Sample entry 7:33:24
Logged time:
4:02:55
